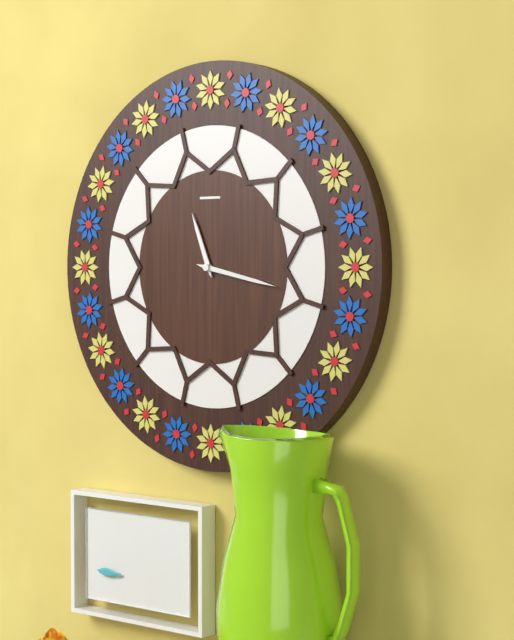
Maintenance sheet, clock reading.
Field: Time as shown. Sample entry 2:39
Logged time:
11:17
